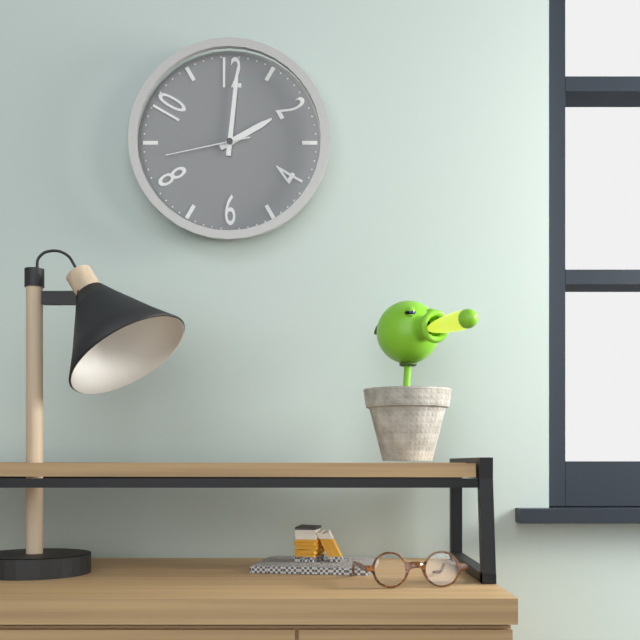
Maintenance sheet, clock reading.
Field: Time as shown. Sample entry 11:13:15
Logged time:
2:01:43
